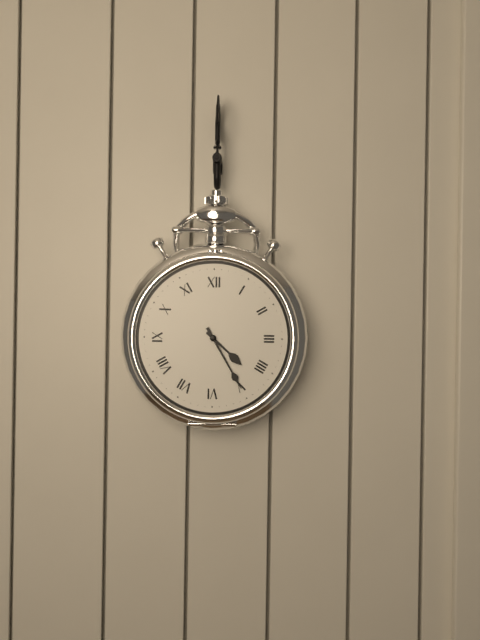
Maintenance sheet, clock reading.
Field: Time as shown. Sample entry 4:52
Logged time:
4:25
